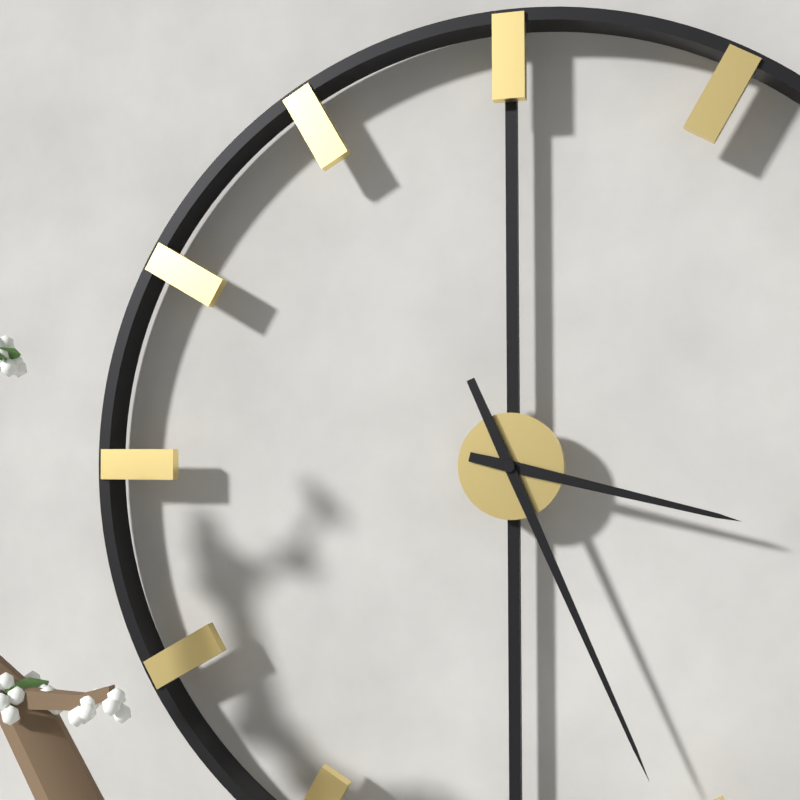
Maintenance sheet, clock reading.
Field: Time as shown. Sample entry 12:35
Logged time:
3:26
